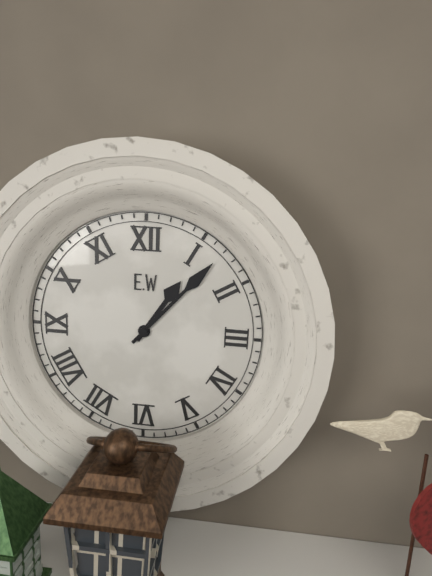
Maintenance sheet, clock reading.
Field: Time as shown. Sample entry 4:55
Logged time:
1:07
